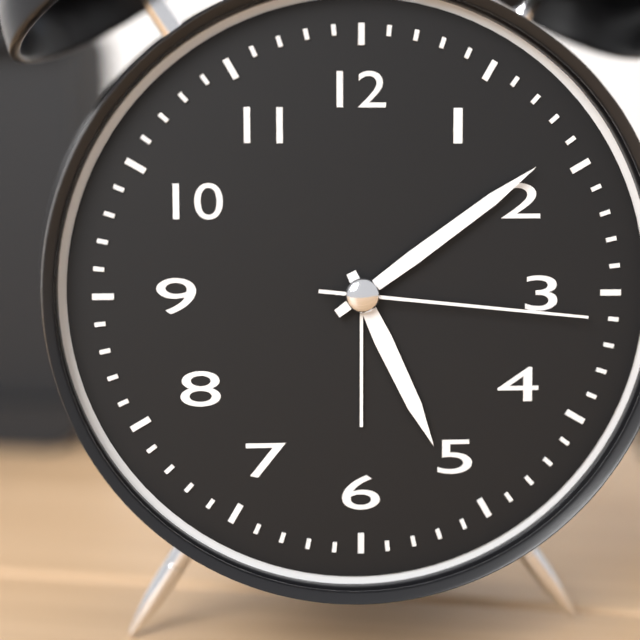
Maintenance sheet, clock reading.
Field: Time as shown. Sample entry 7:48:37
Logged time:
5:09:16
